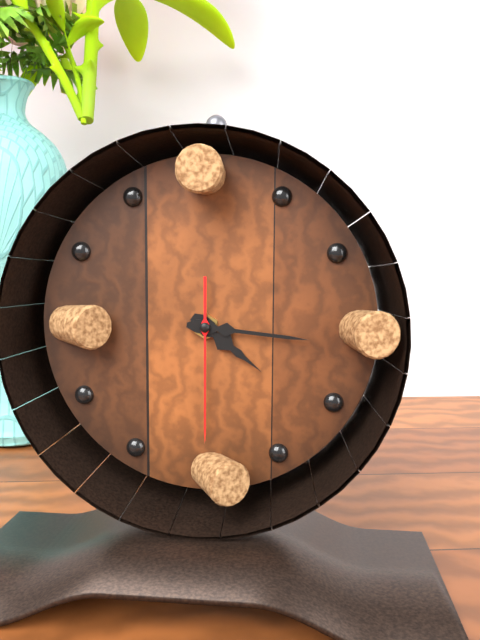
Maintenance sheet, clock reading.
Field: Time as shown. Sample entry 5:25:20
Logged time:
4:16:30
